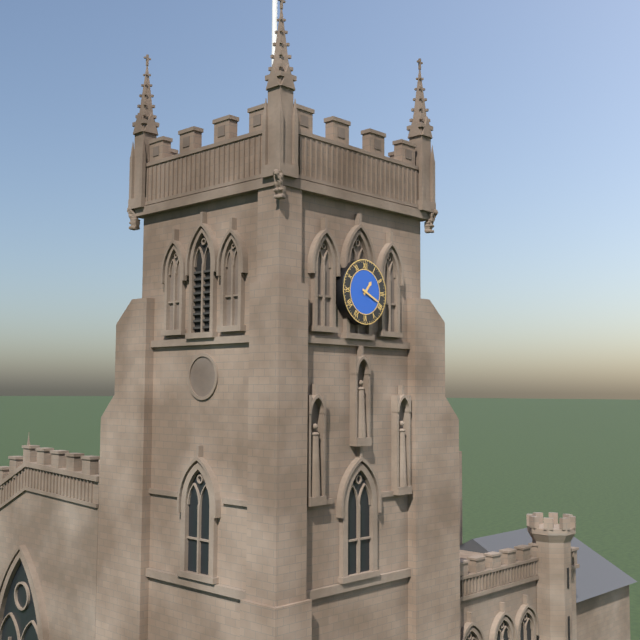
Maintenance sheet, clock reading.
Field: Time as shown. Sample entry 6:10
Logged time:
1:19
